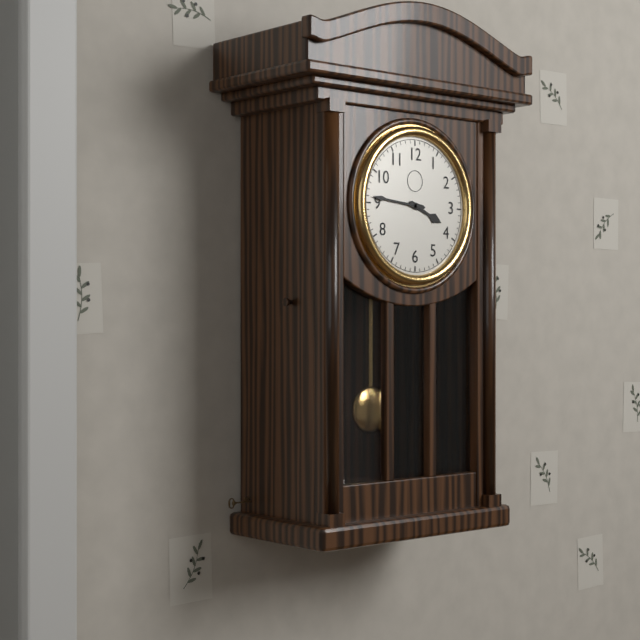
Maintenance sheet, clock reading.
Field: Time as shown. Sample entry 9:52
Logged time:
3:46
